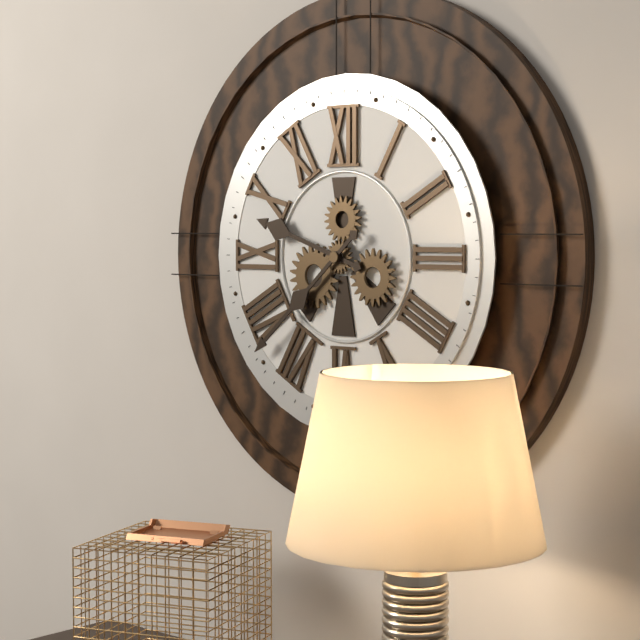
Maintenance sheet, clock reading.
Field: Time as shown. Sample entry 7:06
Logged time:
9:38
